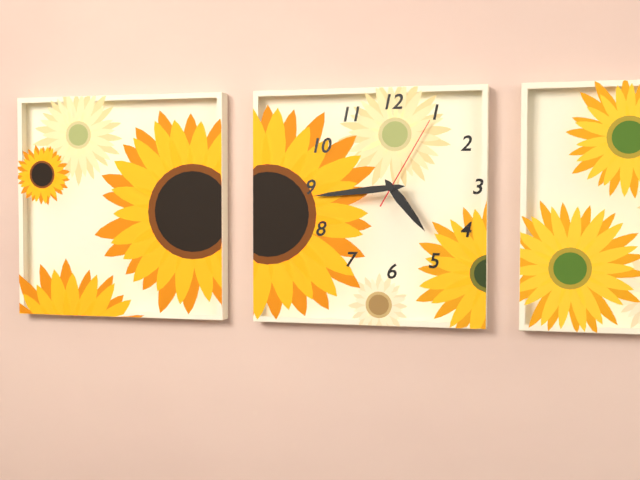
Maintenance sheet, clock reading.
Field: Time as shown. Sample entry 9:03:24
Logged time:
4:44:05
